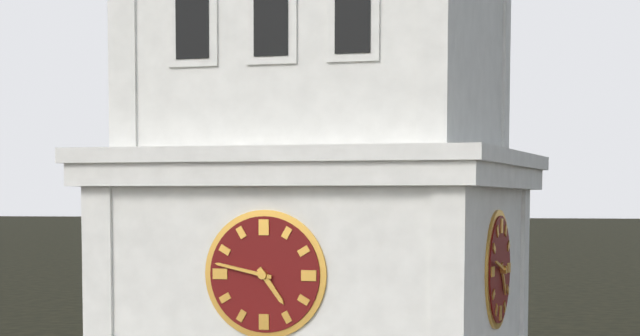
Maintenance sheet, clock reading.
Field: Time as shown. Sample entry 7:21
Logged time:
4:47
